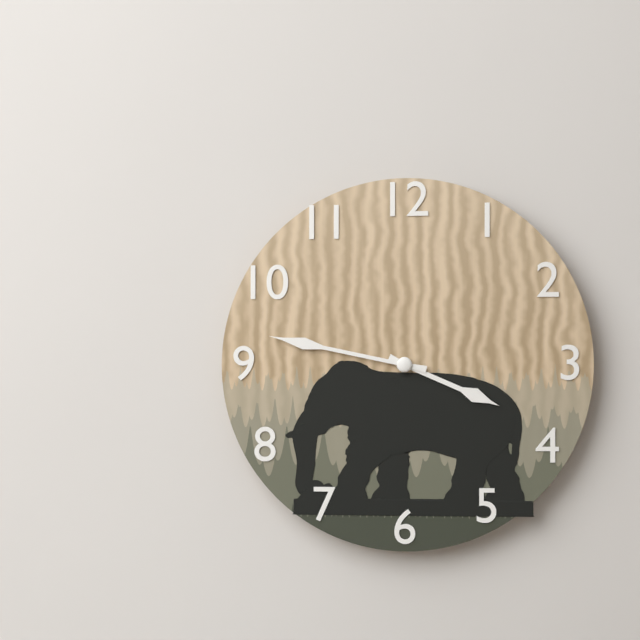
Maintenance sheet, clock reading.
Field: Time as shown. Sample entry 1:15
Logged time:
3:47
